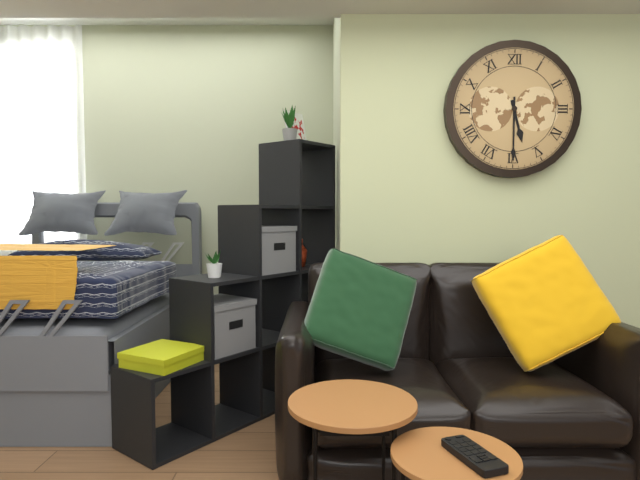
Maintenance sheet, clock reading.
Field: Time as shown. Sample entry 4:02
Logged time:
5:30
